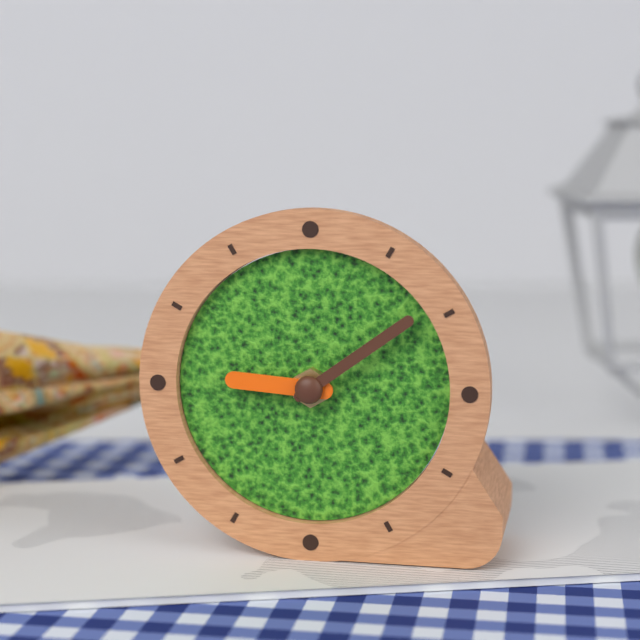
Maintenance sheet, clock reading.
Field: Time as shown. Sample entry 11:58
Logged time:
9:09
